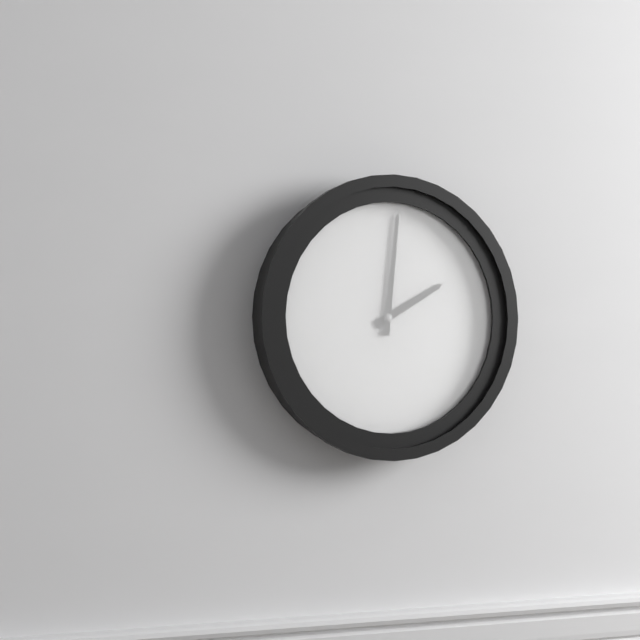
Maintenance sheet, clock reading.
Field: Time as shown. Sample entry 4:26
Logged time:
2:01
